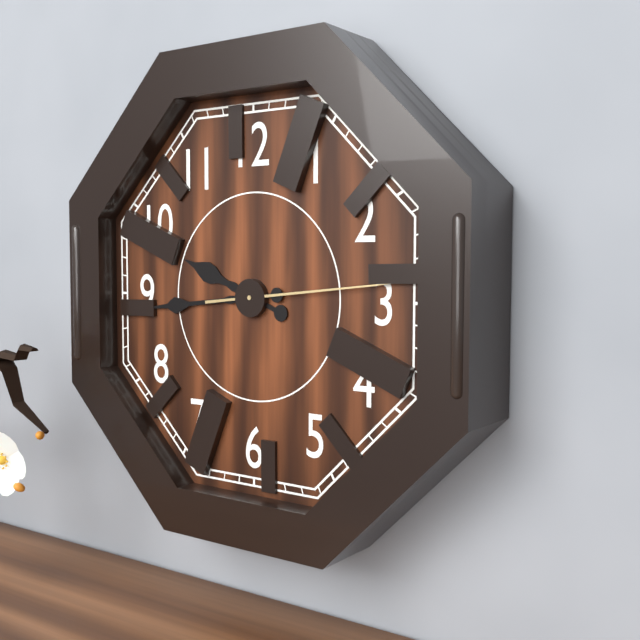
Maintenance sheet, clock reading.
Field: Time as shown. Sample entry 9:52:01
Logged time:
9:44:14
